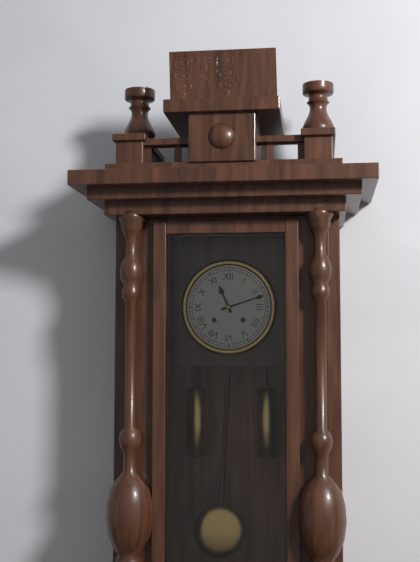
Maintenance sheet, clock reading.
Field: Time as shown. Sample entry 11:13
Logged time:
11:12
